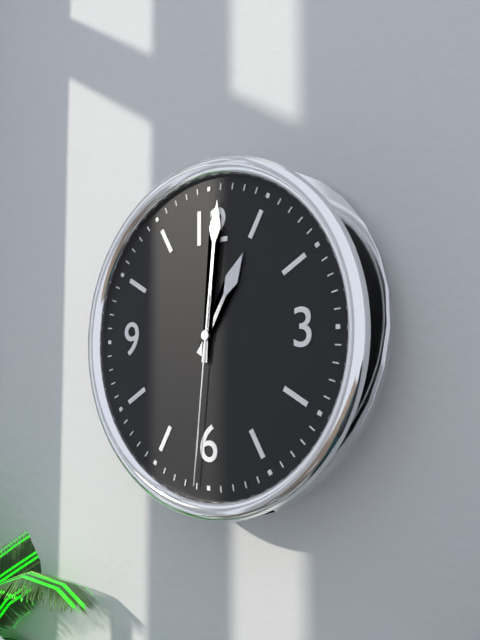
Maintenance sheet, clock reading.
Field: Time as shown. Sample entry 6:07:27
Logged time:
1:01:31
